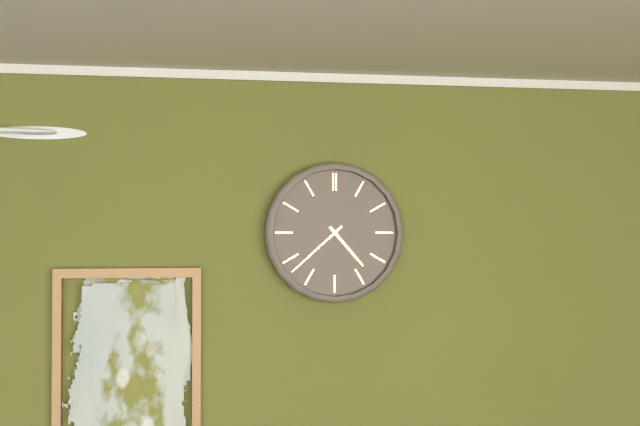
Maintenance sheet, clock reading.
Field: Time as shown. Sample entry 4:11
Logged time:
4:38
